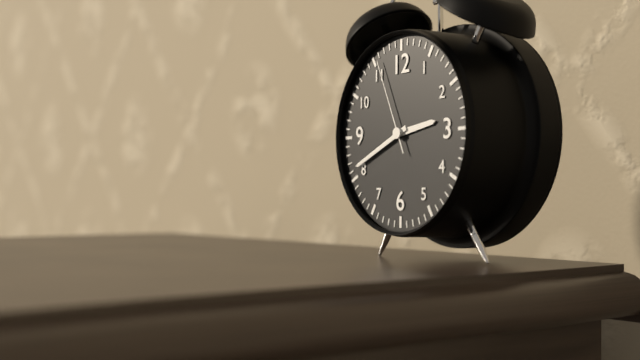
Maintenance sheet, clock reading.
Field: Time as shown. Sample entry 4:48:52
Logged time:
2:41:56
